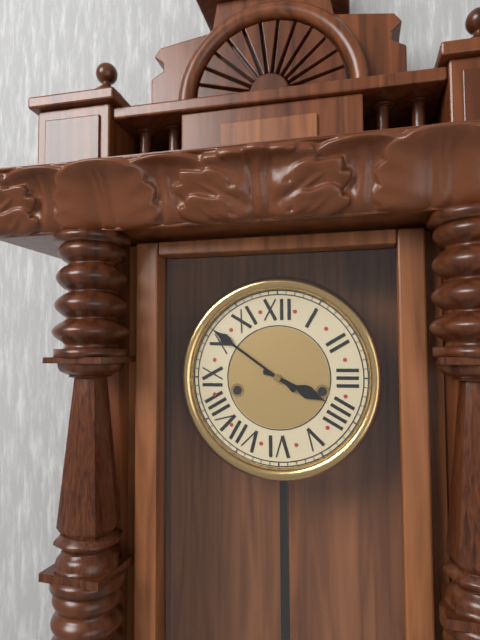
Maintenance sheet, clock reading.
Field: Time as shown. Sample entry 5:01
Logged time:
3:51
